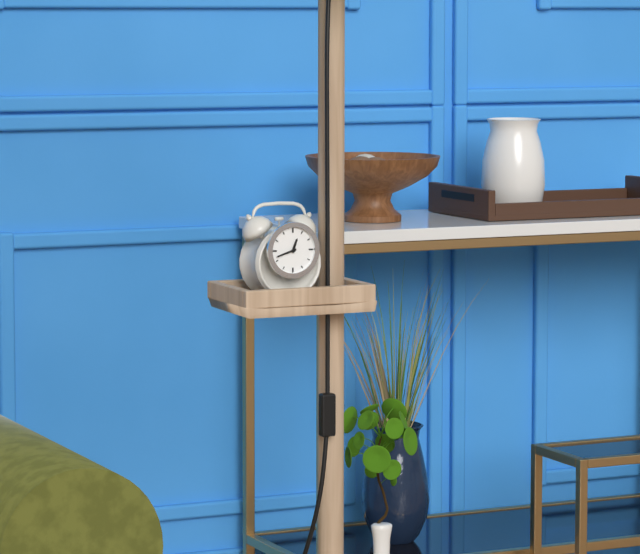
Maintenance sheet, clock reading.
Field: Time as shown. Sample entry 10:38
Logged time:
12:42
